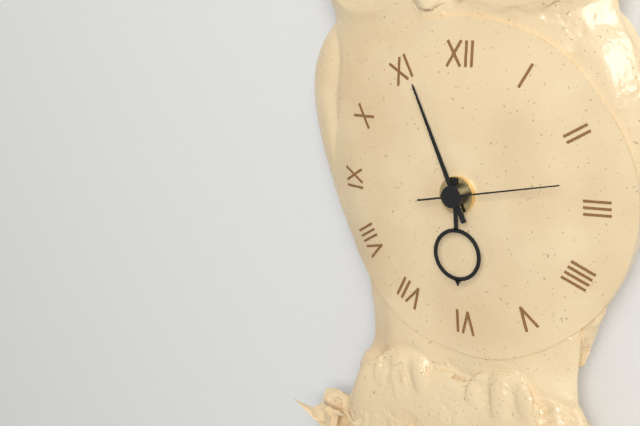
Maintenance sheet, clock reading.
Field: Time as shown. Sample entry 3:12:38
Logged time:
5:56:13
